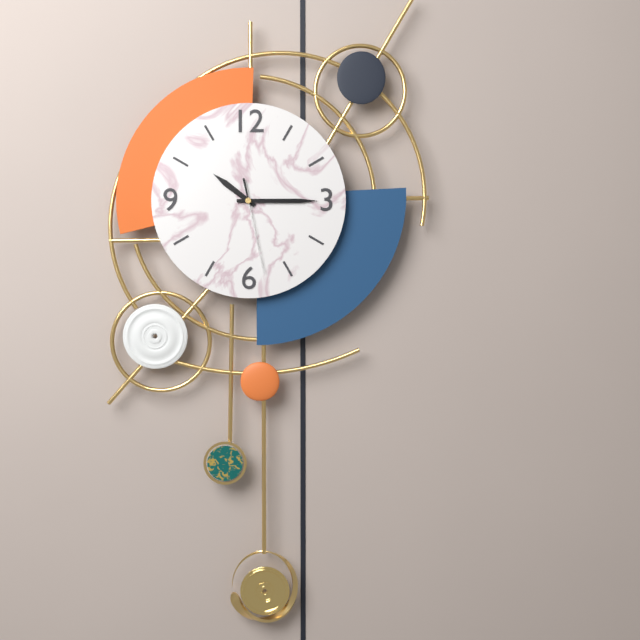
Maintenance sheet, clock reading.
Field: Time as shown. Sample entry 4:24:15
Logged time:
10:15:28
